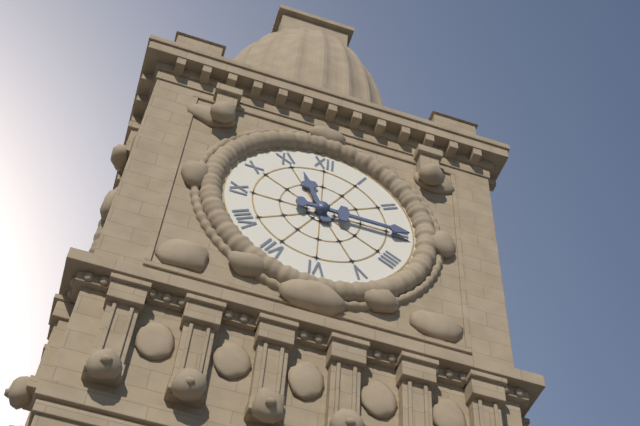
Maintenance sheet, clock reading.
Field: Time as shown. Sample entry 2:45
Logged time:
11:15
